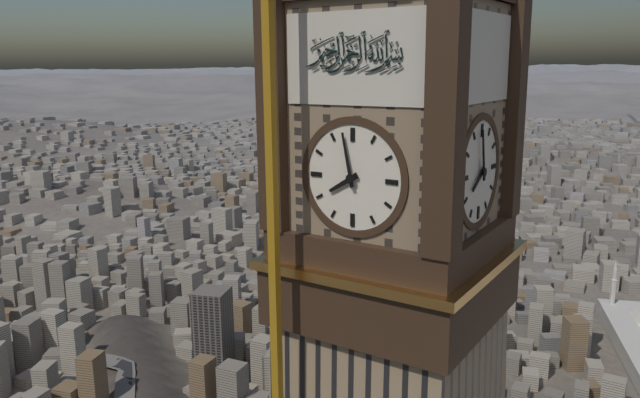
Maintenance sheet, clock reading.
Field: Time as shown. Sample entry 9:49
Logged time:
7:58
